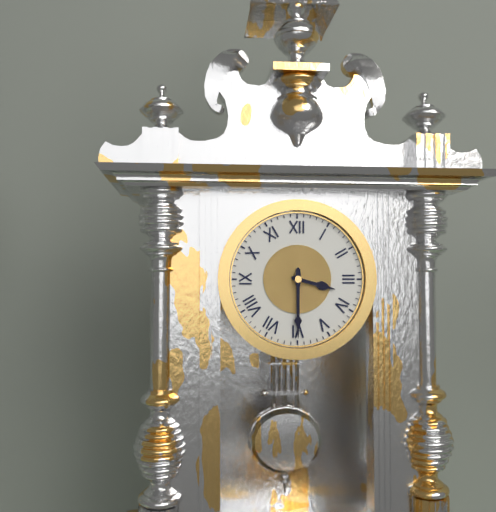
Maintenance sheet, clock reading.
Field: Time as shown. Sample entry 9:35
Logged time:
3:30
